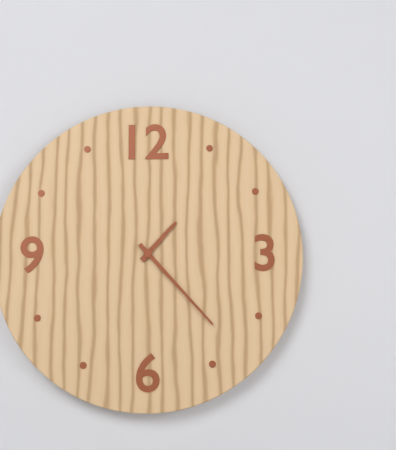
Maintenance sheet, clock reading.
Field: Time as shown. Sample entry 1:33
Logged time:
1:23
